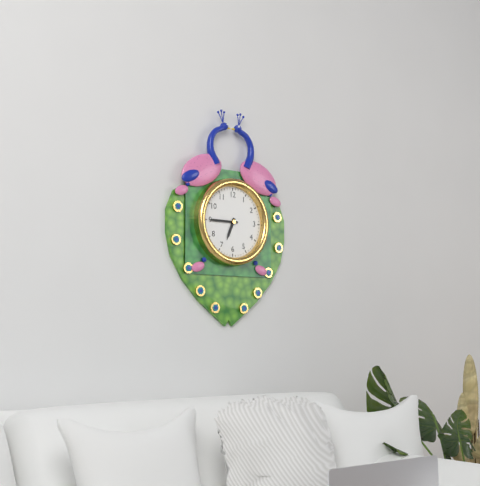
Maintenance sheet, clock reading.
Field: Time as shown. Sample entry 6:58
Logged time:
6:45
